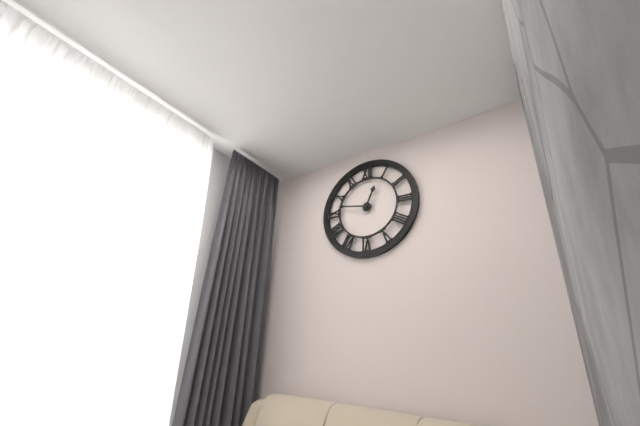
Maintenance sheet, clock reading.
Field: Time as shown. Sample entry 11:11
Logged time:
12:47
